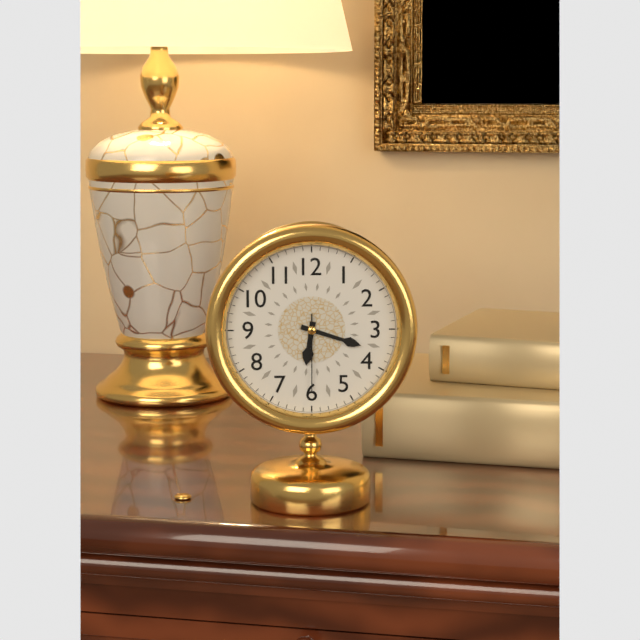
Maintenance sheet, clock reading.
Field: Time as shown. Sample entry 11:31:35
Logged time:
6:18:30
